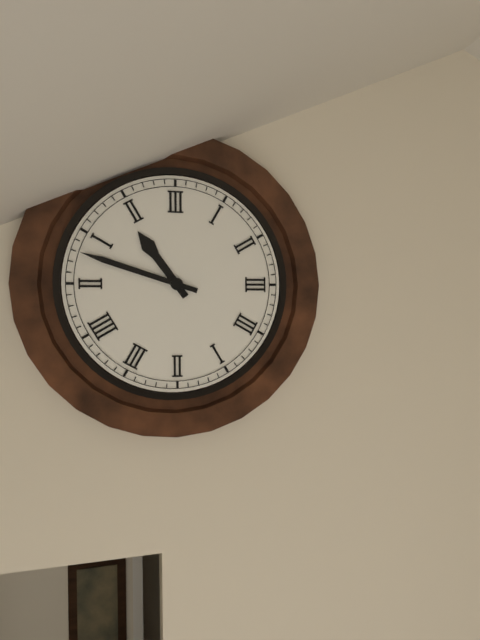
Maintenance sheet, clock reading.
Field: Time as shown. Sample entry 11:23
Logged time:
10:48
